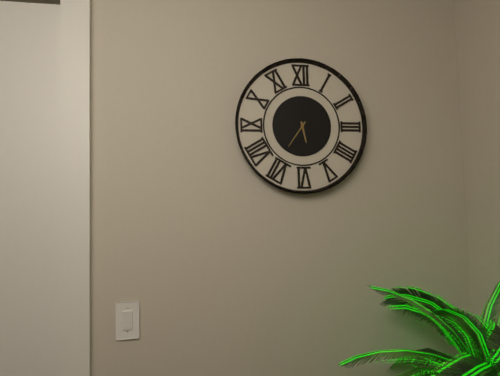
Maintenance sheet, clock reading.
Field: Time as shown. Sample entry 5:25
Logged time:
5:36
